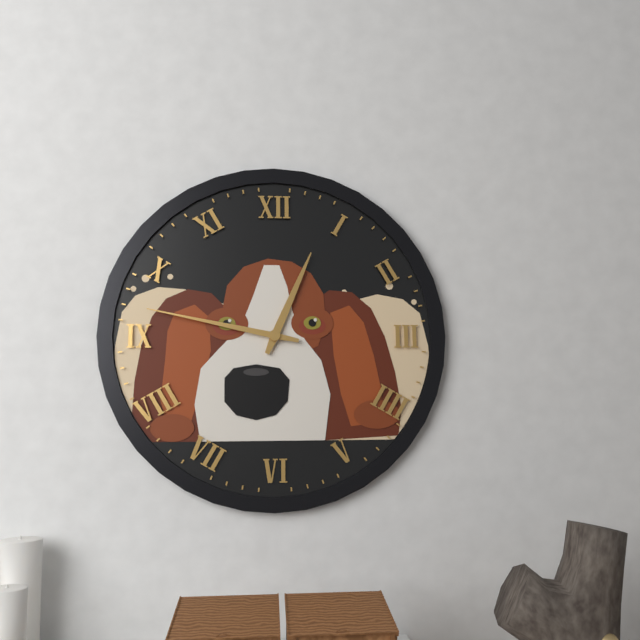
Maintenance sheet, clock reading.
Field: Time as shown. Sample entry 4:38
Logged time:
12:47
